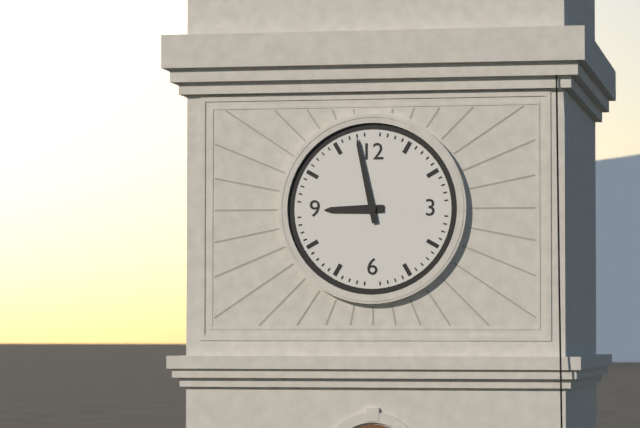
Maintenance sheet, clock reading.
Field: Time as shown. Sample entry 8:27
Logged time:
8:58
